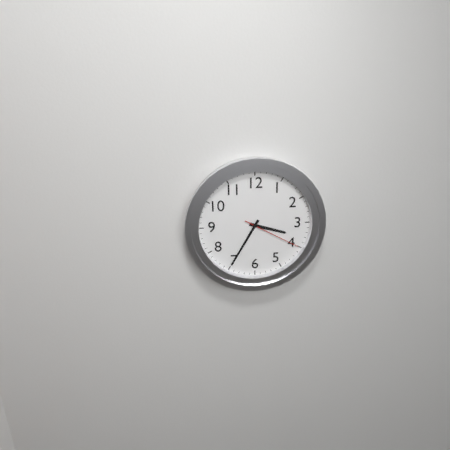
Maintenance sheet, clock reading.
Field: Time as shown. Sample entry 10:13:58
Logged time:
3:35:20
